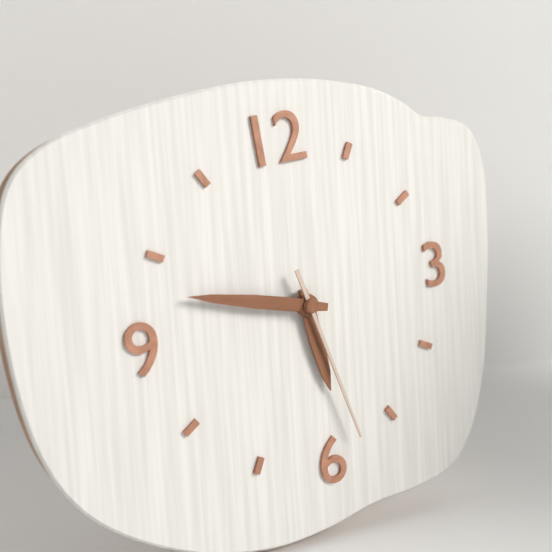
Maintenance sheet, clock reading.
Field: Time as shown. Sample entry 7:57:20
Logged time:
5:48:28
